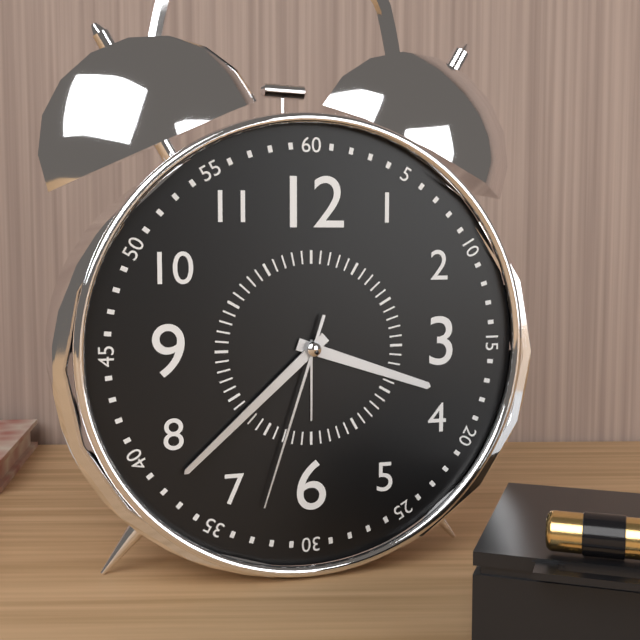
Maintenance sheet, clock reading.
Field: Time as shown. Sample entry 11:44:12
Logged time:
3:38:33
